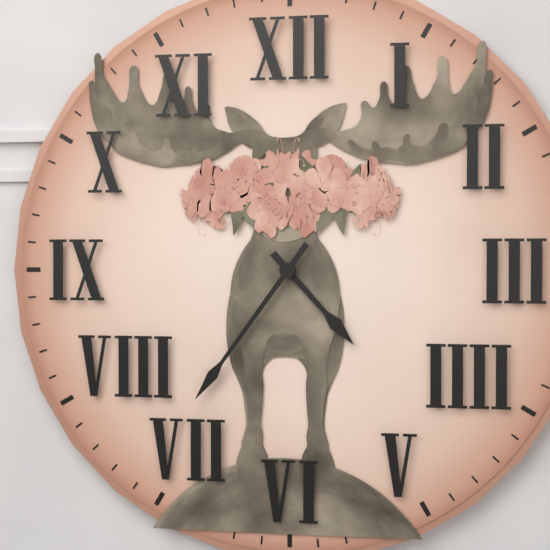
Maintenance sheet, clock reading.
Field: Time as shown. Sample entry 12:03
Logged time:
4:36
